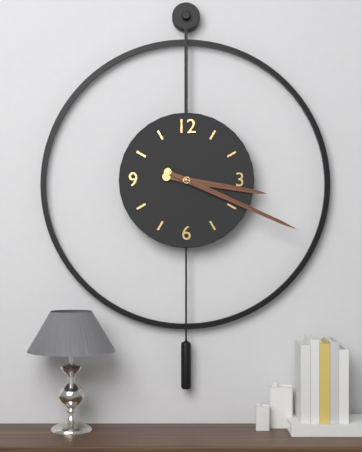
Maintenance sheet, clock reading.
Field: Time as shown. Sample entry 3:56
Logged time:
3:19
